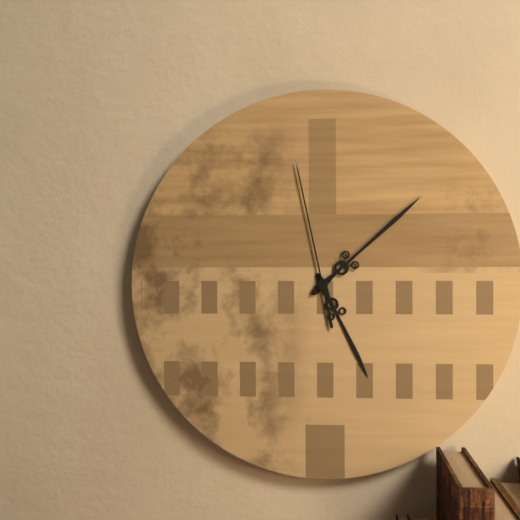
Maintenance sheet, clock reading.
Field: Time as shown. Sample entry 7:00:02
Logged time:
5:08:58
